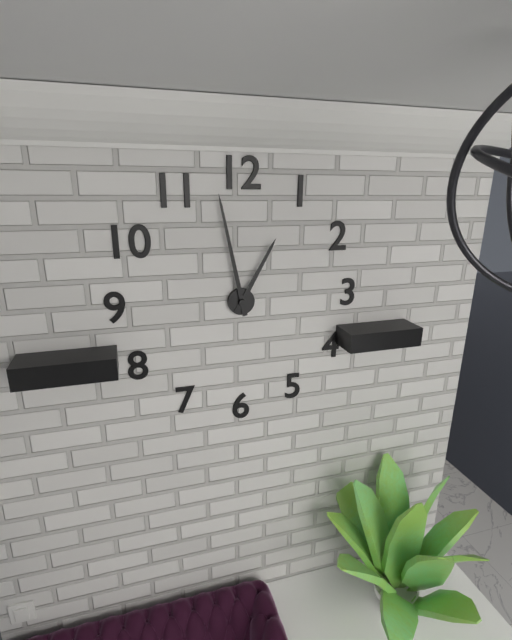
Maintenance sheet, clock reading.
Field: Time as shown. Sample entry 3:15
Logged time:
12:58
